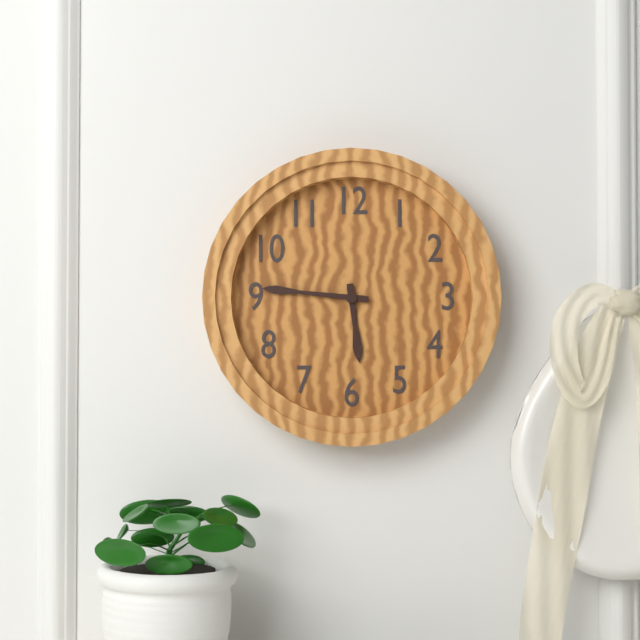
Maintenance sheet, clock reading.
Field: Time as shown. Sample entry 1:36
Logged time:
5:46
